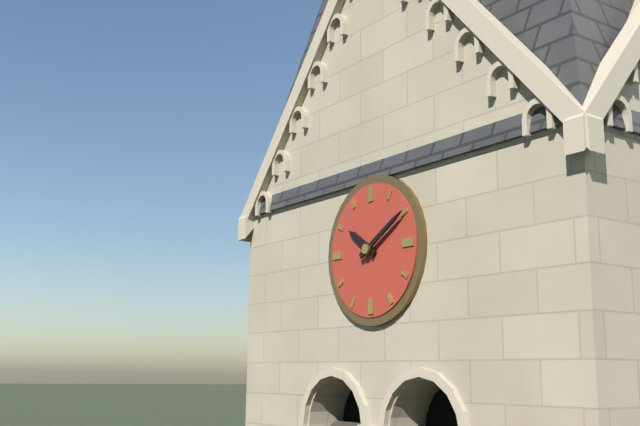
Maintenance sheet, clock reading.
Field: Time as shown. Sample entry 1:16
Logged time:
10:10
